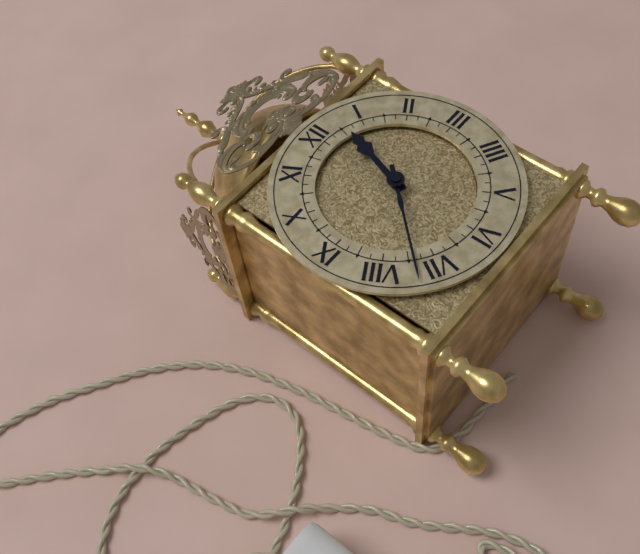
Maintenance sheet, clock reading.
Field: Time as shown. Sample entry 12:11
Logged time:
12:37
